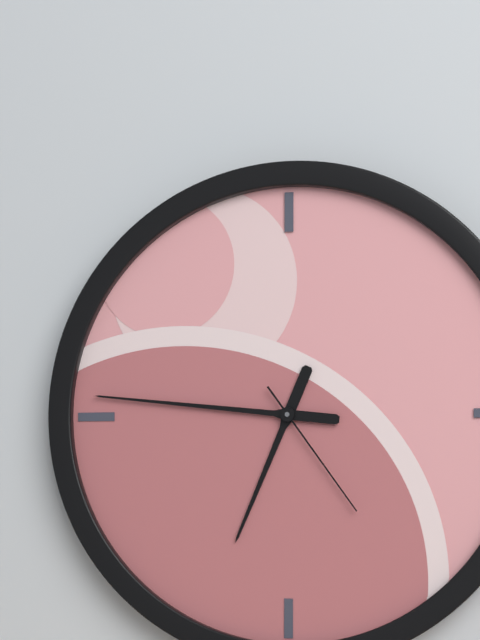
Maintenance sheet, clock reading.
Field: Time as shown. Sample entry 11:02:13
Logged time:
6:46:24
